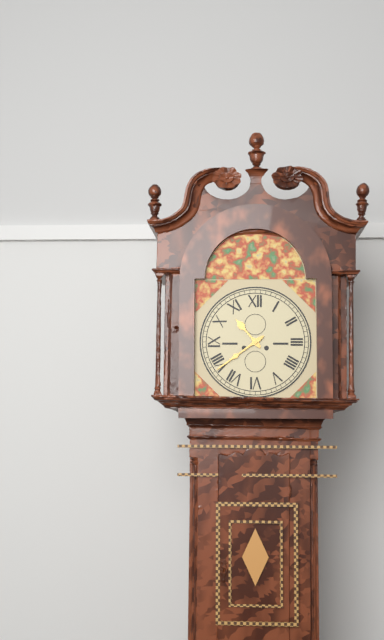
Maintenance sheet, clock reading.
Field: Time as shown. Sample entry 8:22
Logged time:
10:39
